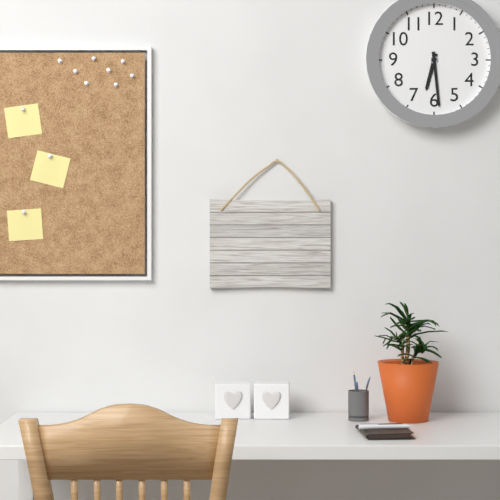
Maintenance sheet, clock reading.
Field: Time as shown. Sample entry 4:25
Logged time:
6:29
